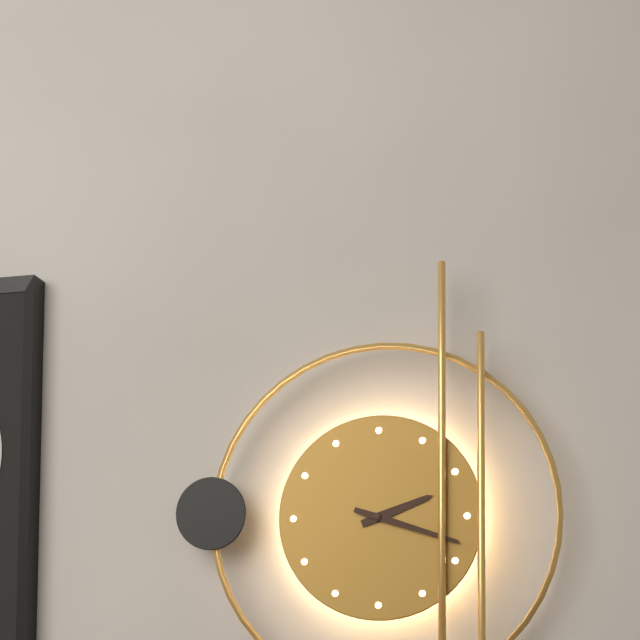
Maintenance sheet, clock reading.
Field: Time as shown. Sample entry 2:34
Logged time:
2:18
